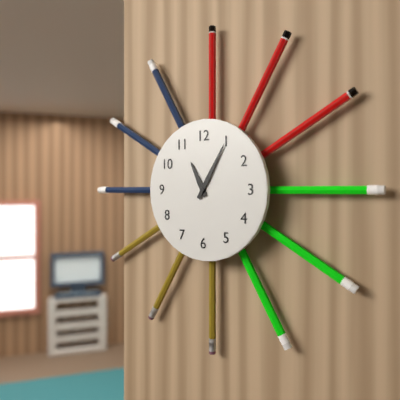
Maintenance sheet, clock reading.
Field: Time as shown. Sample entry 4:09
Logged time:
11:05
